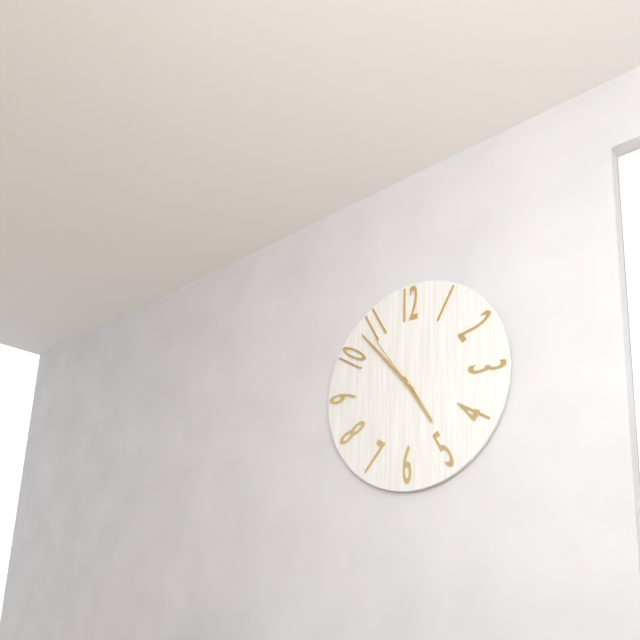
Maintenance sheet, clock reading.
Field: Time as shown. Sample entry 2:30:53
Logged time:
4:53:54
